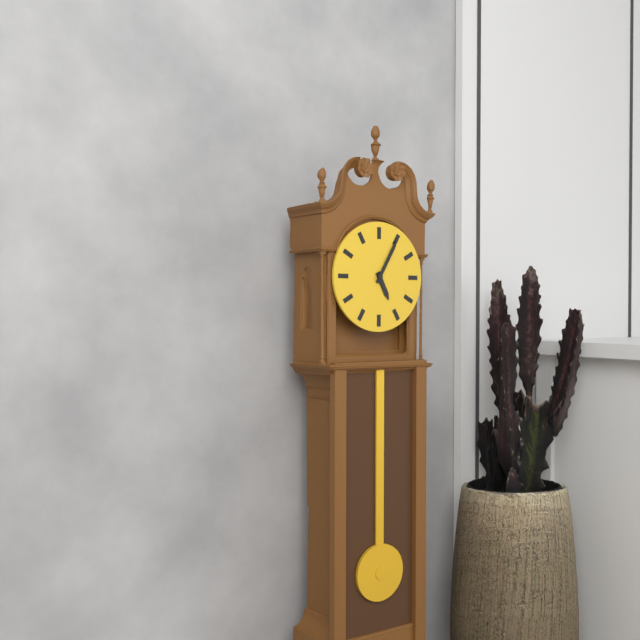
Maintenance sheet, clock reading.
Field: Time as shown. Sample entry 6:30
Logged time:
5:05
